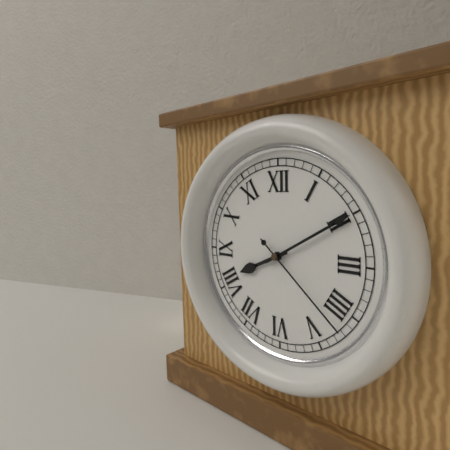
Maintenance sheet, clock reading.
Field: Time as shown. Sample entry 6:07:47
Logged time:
8:10:22
